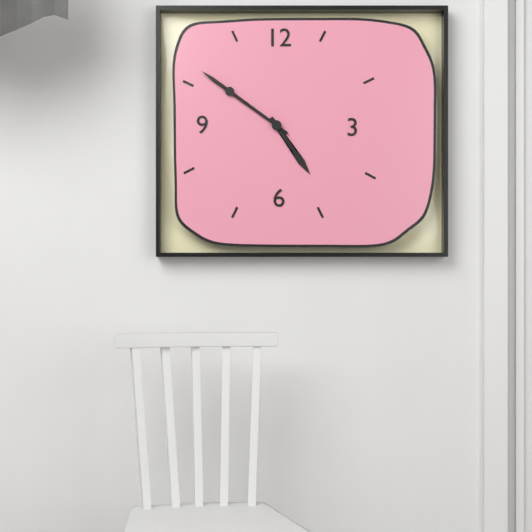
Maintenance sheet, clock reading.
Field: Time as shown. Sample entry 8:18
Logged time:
4:51
